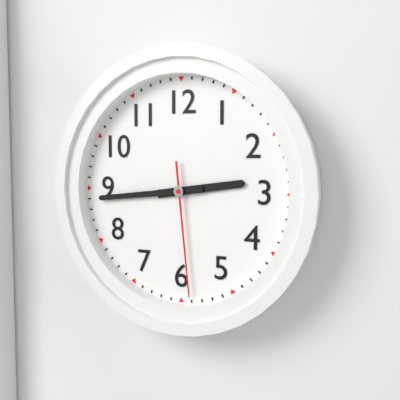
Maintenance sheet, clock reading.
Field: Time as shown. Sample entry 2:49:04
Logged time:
2:44:29
